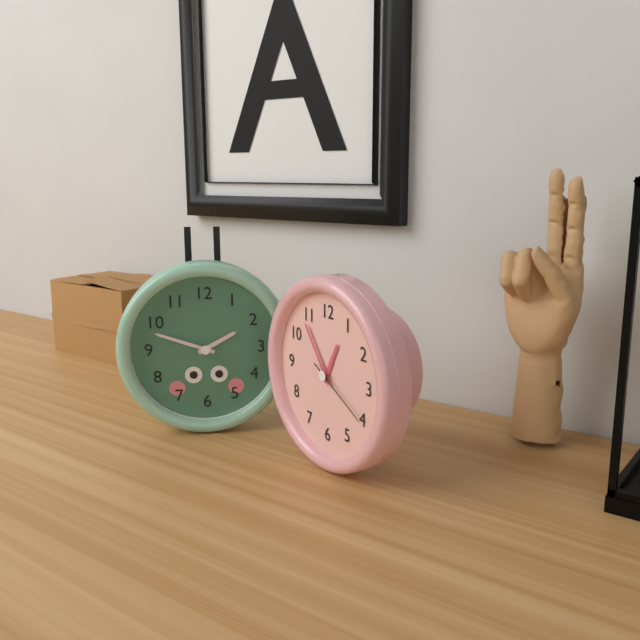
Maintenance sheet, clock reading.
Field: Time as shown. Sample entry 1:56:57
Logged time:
12:54:20
